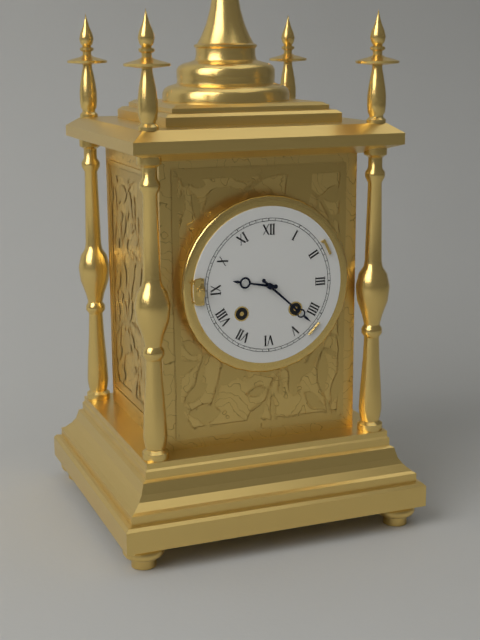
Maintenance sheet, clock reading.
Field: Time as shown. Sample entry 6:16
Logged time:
9:22
